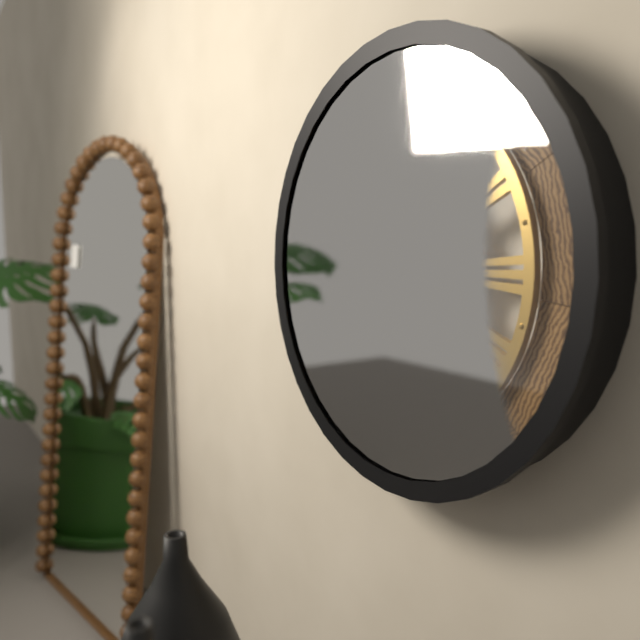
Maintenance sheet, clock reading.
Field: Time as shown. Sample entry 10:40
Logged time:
5:50
